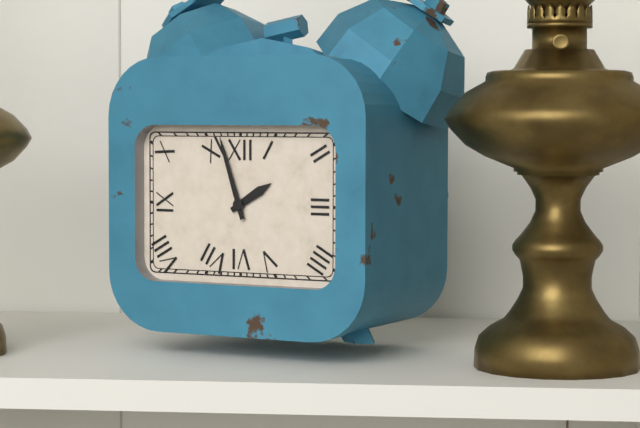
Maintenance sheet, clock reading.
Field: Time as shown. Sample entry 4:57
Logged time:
1:57
